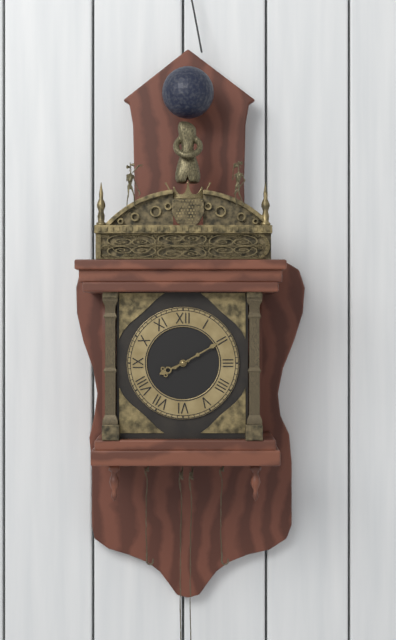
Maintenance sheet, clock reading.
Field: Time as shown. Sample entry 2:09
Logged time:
8:10
